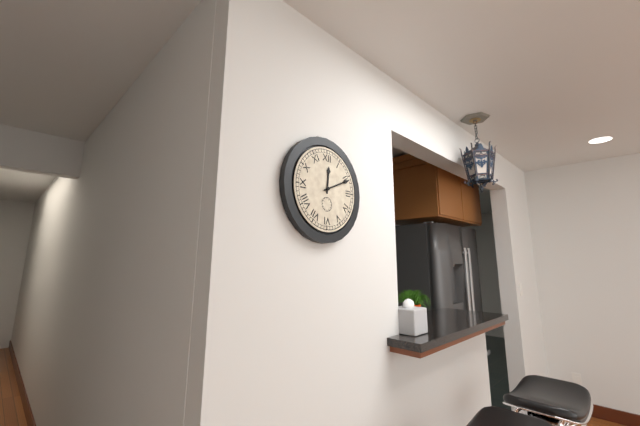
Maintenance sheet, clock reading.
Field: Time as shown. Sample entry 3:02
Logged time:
12:11
